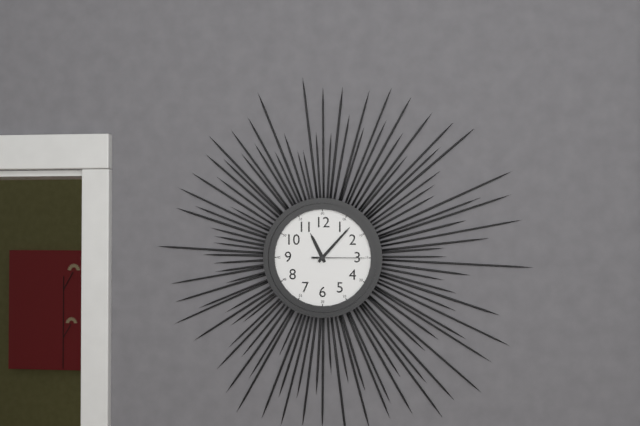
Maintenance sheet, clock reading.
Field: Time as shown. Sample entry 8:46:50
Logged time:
11:07:15
